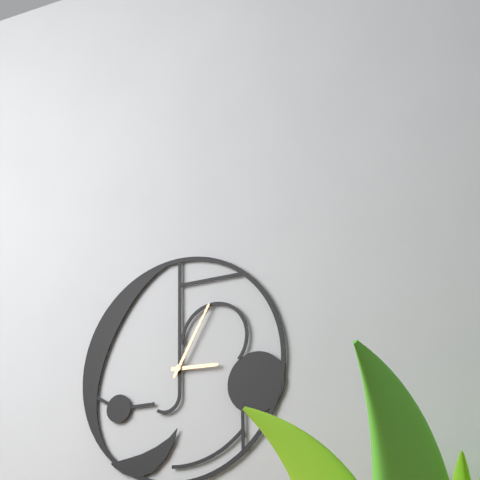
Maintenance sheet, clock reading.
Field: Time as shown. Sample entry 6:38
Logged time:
3:05
